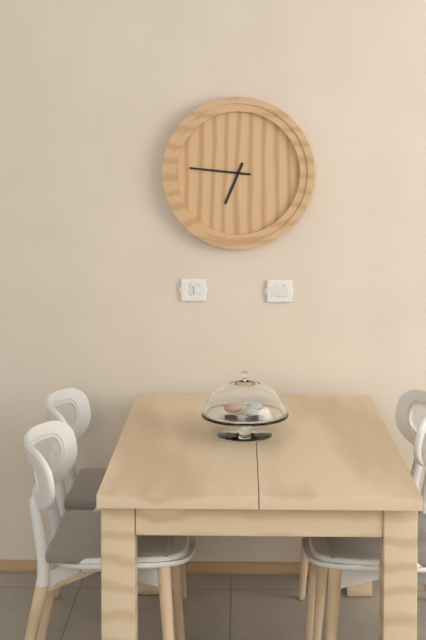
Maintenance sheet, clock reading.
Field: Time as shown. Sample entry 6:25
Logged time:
6:46
